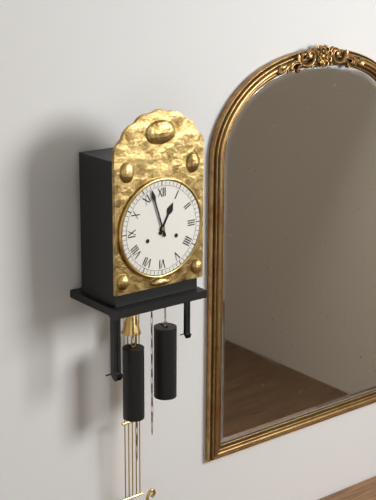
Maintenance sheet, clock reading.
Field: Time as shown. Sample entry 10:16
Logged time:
12:57
